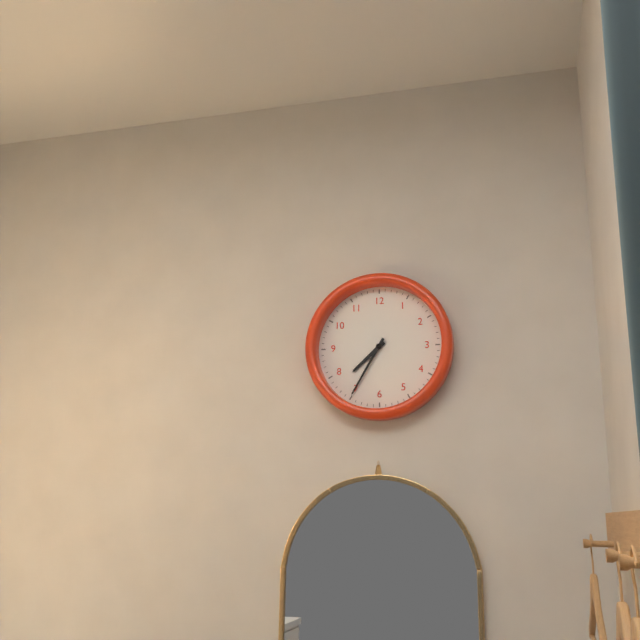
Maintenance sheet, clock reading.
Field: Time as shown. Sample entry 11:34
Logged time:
7:35
